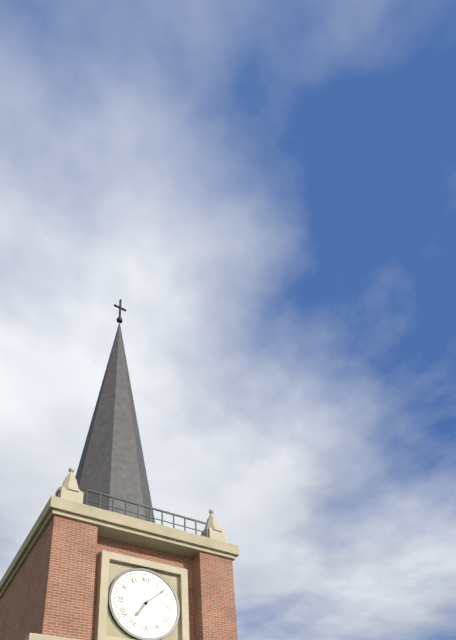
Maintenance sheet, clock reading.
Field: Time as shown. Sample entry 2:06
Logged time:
7:08
